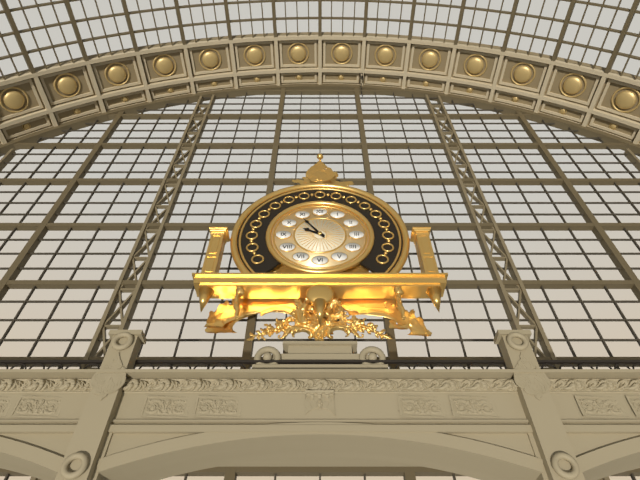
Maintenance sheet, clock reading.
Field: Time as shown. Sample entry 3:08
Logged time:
9:54
